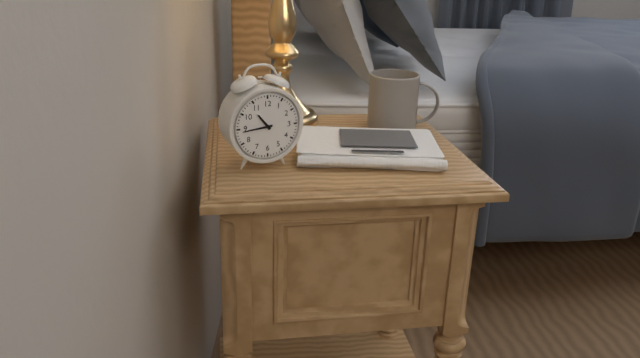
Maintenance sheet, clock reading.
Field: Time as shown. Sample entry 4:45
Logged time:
10:44
